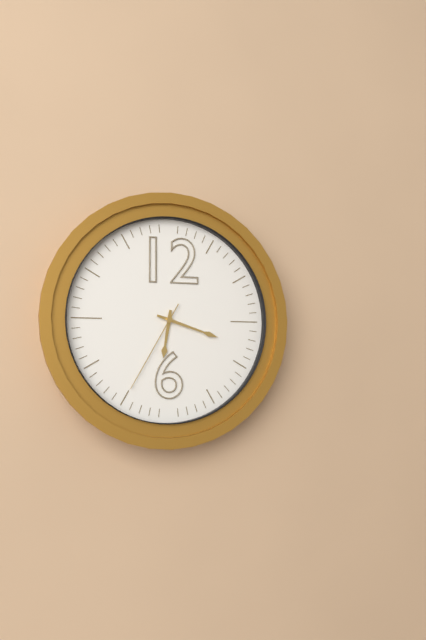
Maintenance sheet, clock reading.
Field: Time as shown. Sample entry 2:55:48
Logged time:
6:18:35
